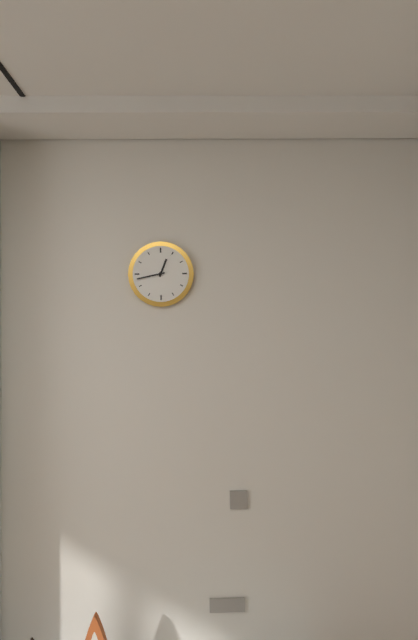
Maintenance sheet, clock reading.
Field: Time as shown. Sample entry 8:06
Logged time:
12:43
